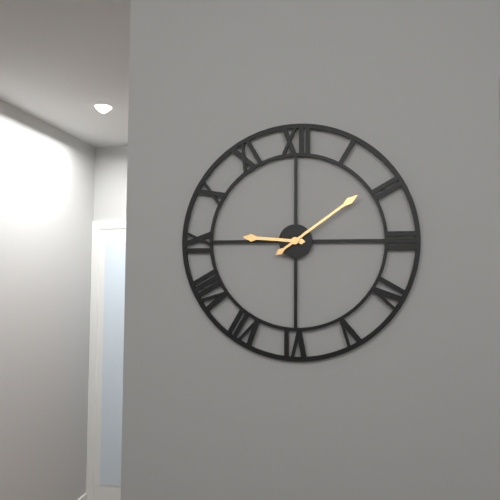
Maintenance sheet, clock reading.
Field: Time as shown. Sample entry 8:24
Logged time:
9:09
